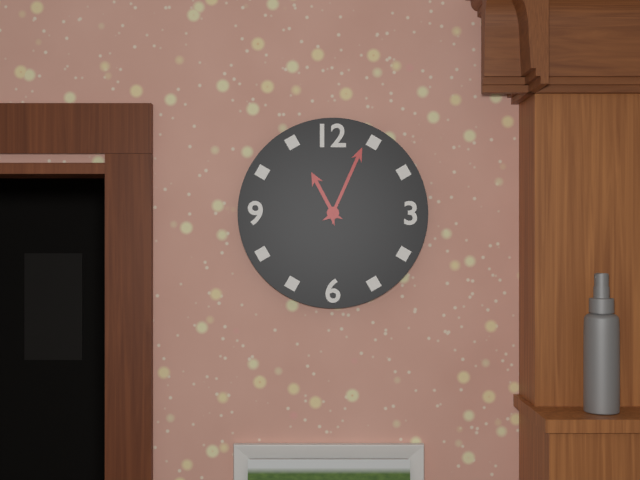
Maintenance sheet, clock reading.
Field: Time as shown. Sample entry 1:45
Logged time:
11:04
